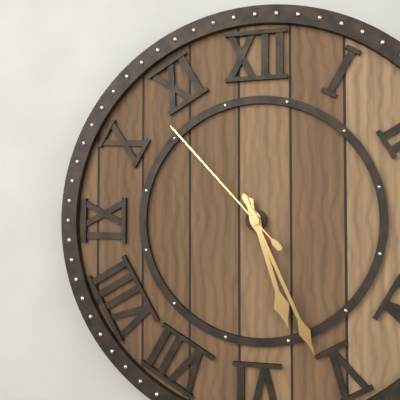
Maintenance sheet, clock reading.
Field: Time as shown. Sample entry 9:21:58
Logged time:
5:26:53
